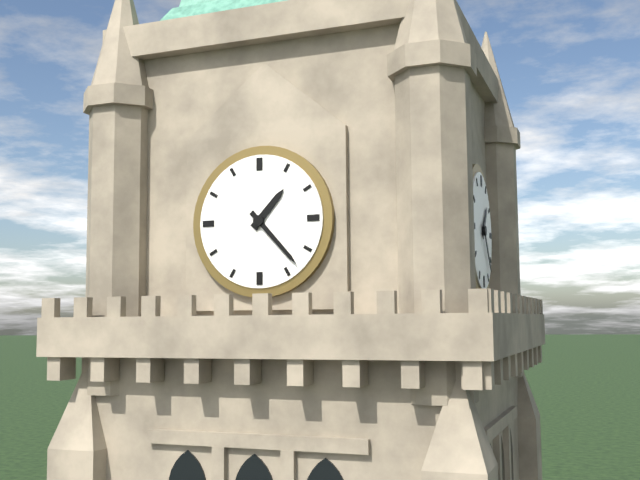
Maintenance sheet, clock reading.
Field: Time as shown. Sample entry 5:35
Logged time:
1:23
